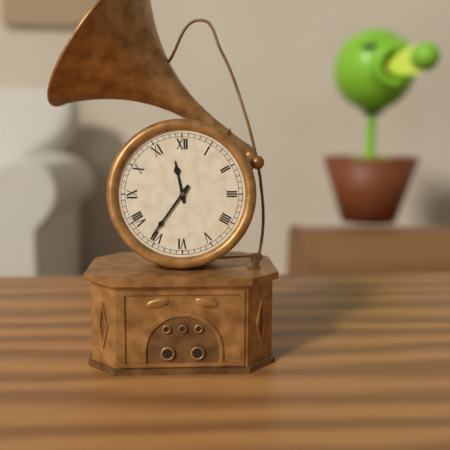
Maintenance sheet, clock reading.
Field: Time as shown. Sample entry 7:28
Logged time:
11:36
